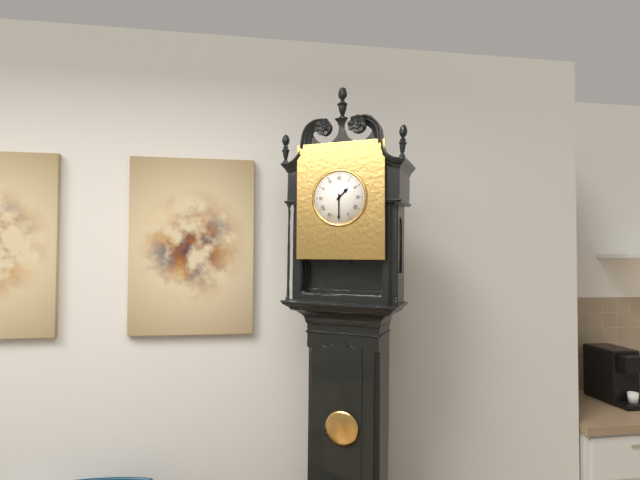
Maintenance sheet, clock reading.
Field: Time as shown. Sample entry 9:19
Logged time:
1:30
